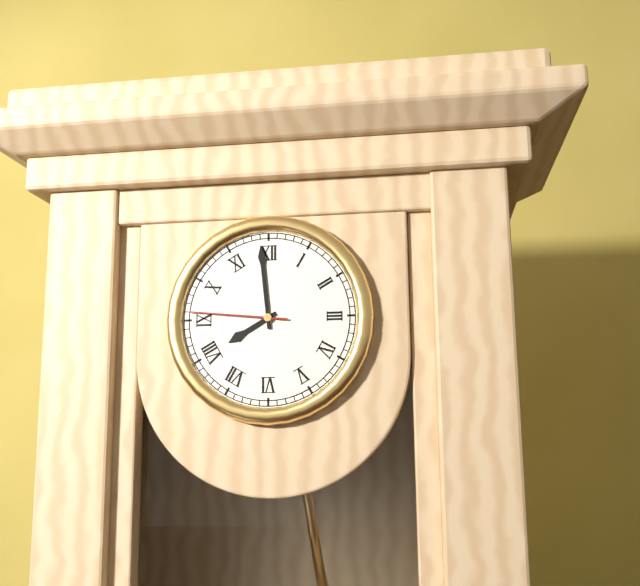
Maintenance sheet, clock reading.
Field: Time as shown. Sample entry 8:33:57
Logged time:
7:59:46
